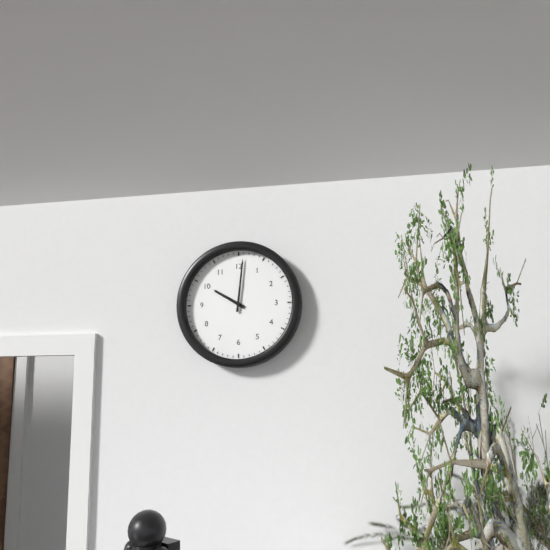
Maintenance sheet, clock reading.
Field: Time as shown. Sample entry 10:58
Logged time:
10:01
